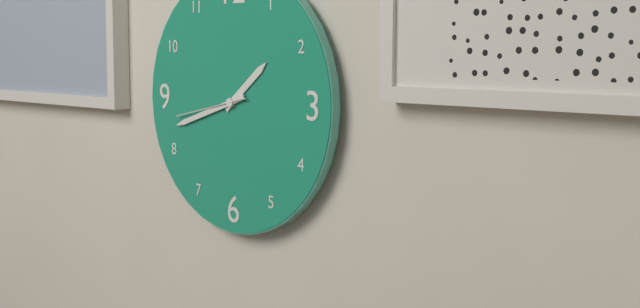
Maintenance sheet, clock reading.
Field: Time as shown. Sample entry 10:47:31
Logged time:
1:42:43
